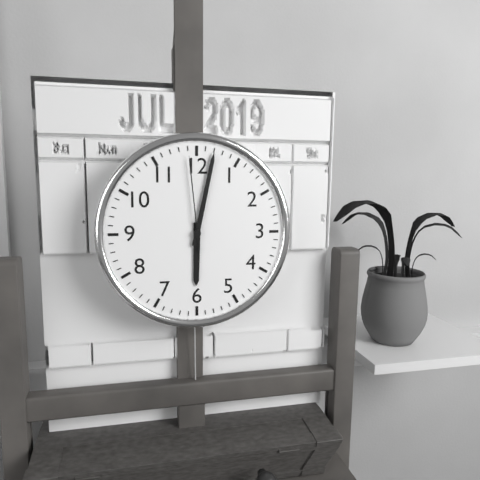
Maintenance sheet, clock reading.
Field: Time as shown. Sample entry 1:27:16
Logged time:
6:02:59
